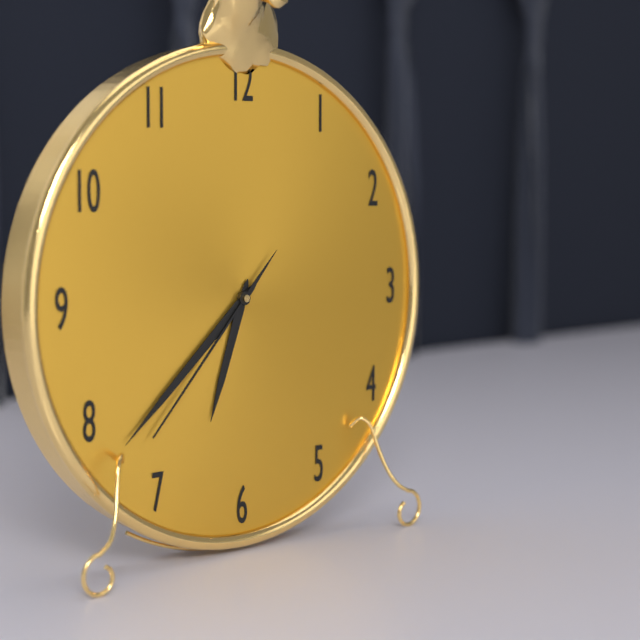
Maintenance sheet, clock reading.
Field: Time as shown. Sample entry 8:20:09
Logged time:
6:38:37
